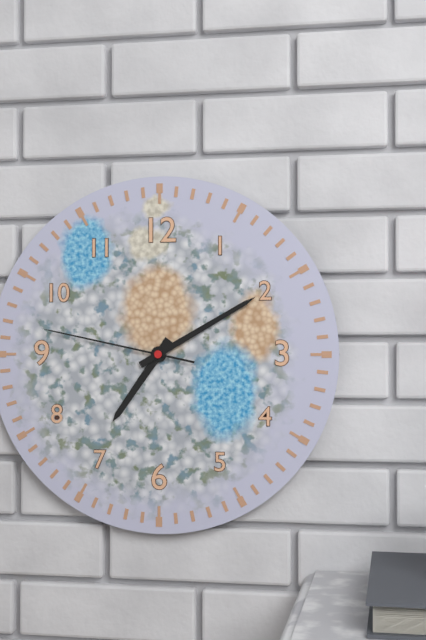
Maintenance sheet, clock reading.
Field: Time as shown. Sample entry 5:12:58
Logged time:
7:10:47
